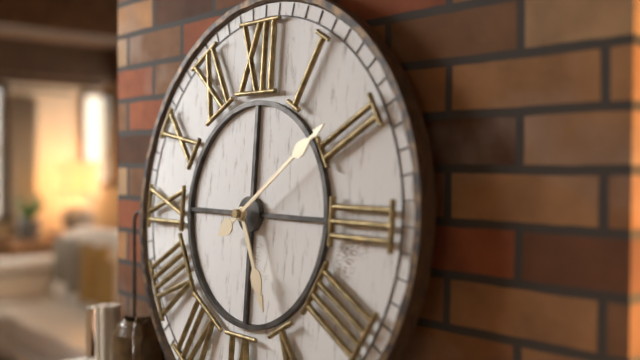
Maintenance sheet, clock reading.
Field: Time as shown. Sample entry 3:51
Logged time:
5:09
